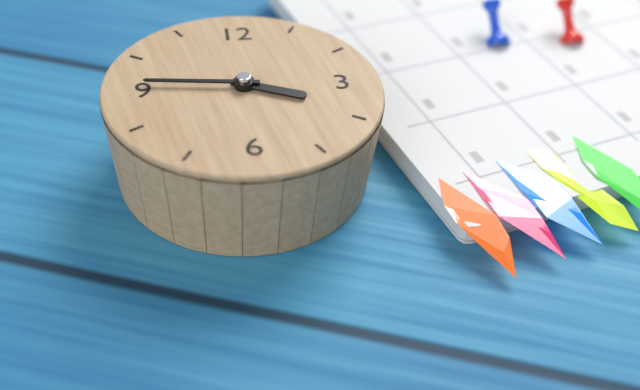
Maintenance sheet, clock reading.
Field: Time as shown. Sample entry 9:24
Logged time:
3:46
